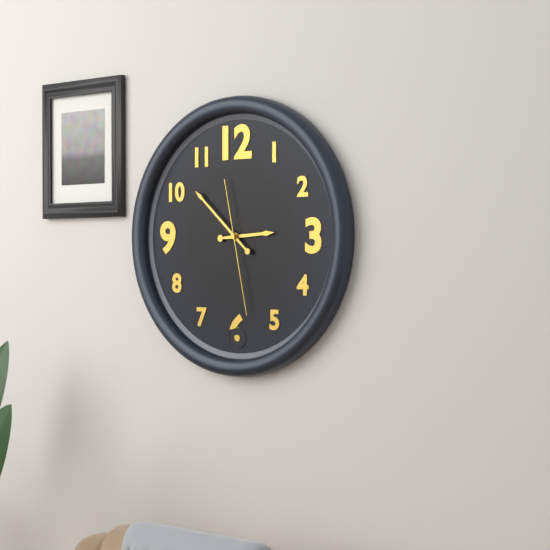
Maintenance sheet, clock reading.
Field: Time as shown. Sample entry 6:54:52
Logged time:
2:52:28
